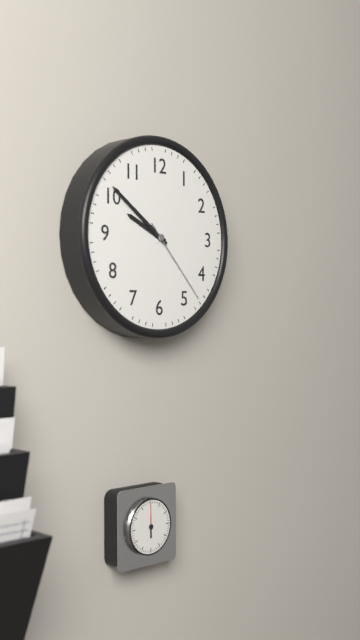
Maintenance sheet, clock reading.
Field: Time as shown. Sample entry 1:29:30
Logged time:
9:51:23
